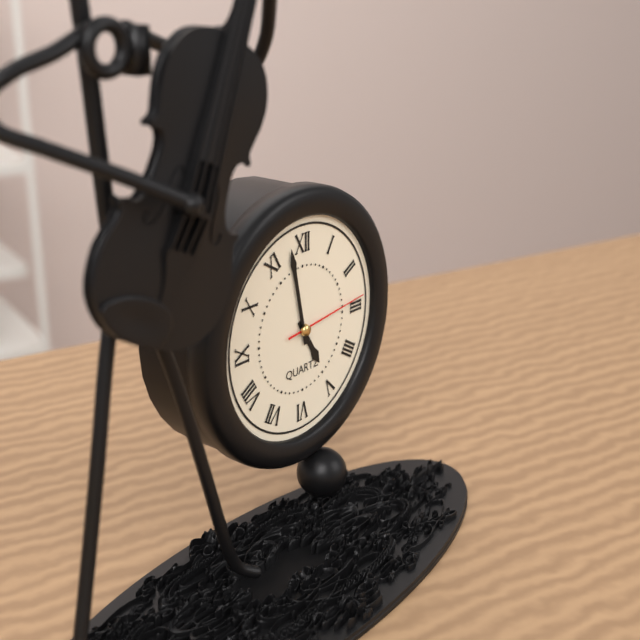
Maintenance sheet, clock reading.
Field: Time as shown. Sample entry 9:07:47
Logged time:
4:58:14
